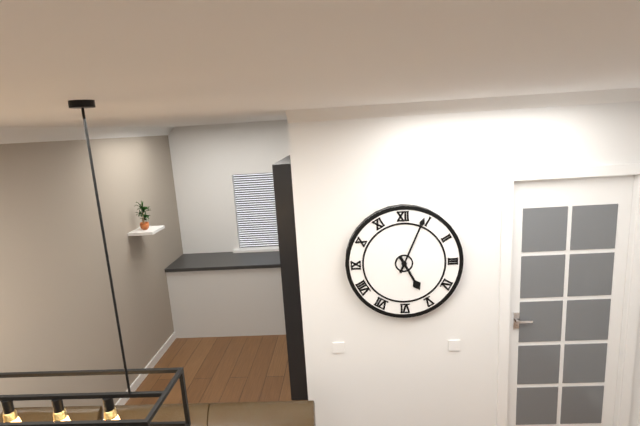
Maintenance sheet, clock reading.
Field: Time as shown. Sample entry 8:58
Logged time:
5:04
